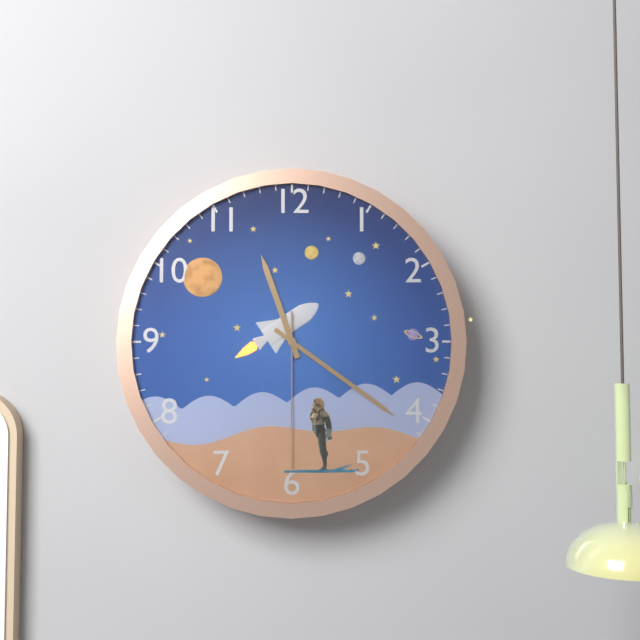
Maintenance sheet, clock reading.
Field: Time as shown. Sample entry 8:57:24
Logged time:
11:21:30
